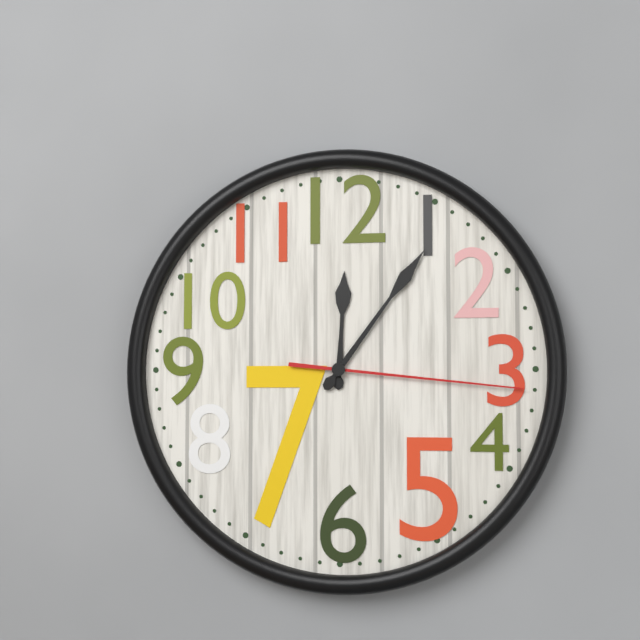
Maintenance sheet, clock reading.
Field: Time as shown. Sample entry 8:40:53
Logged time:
12:06:16
